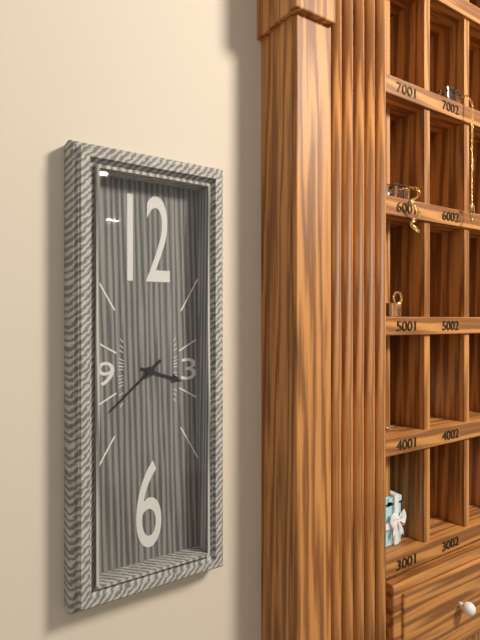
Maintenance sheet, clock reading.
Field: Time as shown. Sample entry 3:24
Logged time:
3:38
